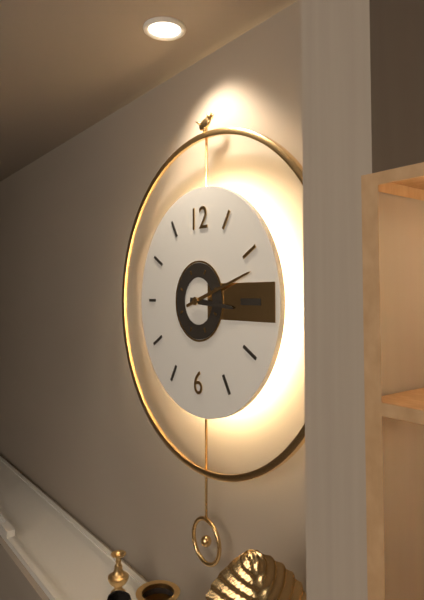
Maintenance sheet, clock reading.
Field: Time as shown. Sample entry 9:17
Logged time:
3:12
